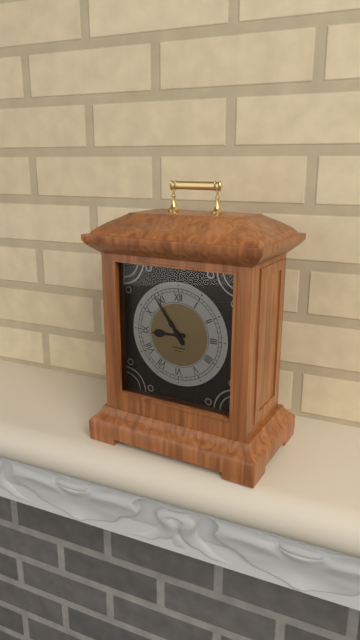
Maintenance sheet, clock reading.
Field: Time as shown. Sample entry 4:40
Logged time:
8:54
